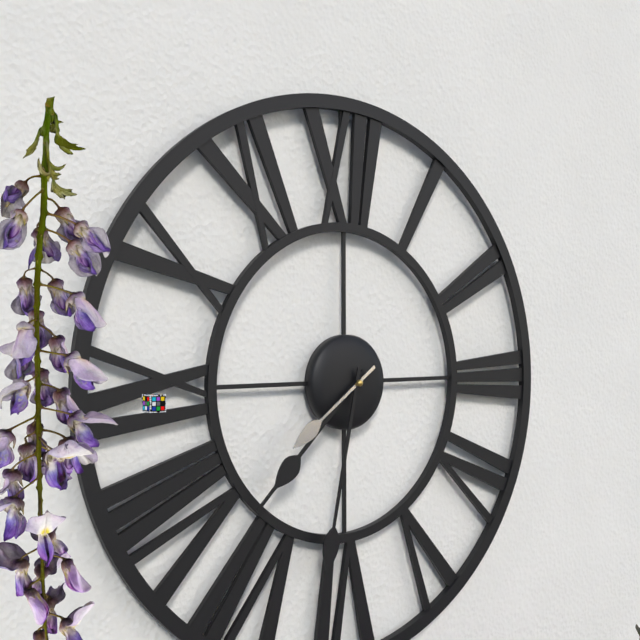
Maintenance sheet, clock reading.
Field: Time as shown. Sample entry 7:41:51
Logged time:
7:32:39
